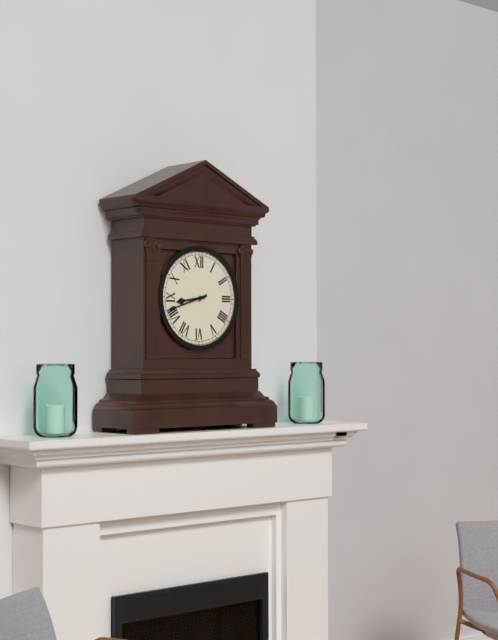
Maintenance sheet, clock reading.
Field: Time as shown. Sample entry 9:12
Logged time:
8:42
